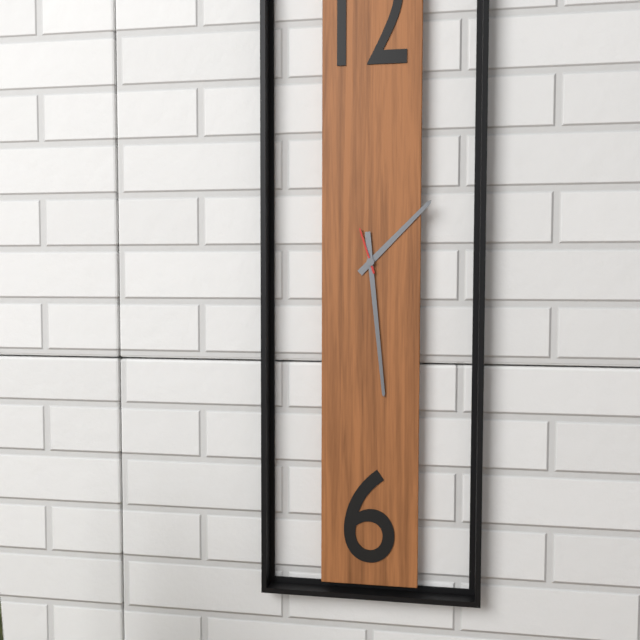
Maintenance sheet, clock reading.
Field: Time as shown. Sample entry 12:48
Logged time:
1:29
